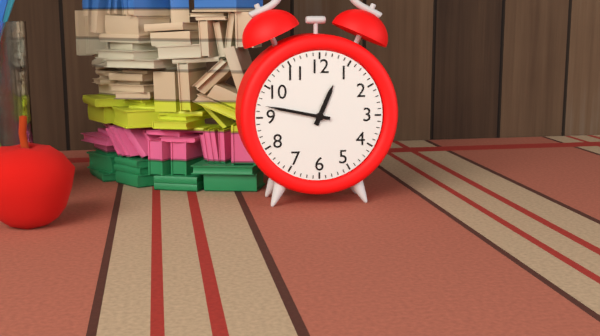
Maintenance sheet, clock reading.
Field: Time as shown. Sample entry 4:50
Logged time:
12:47
